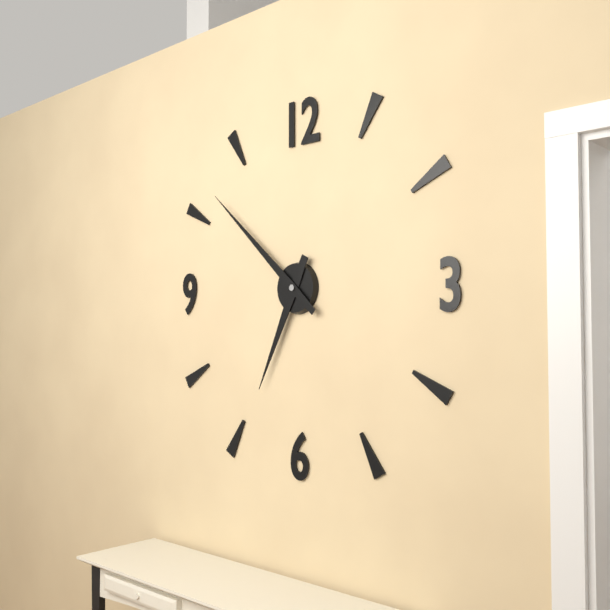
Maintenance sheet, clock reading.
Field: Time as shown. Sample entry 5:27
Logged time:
6:52
